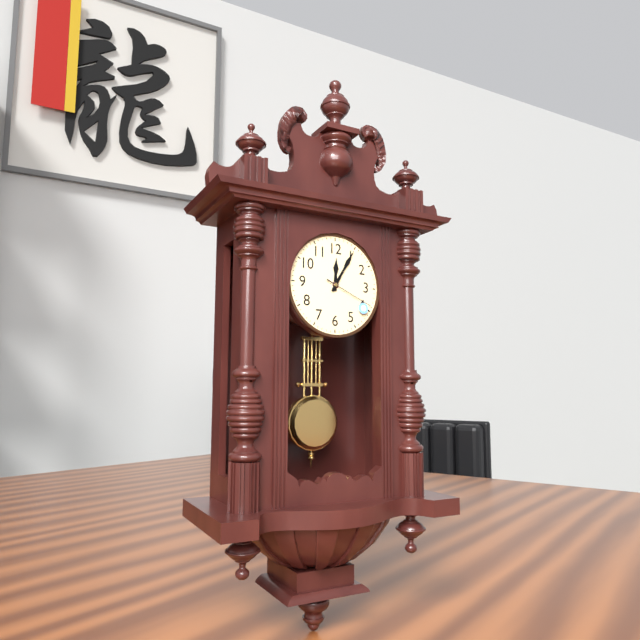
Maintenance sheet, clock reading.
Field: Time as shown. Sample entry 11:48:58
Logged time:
12:05:19
